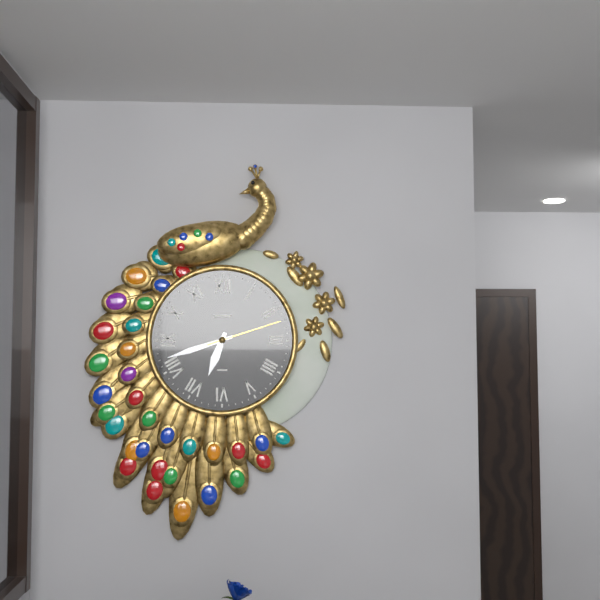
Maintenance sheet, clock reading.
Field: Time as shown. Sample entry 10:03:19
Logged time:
6:42:12
